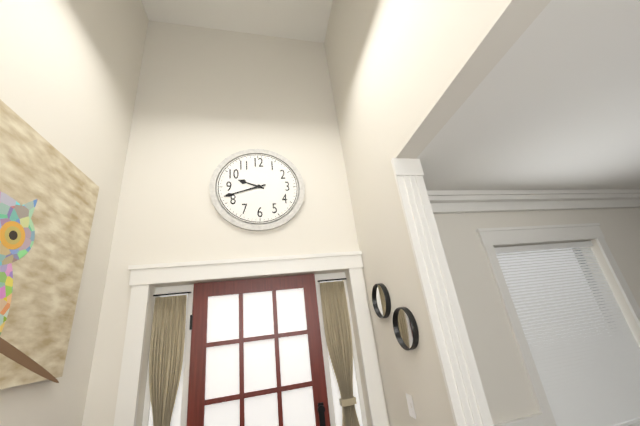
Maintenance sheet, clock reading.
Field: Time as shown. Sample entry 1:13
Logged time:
9:42
